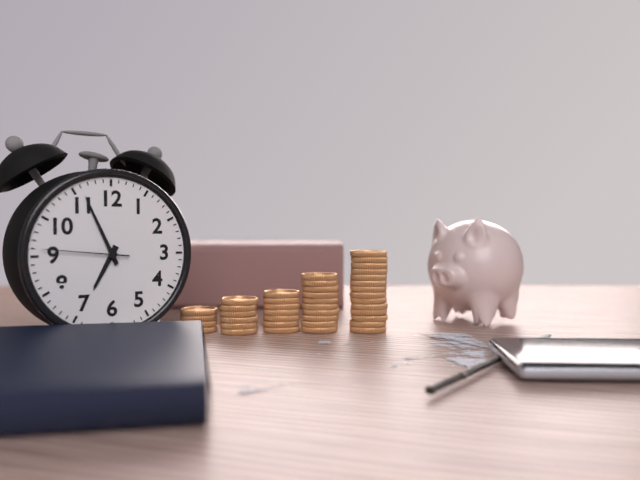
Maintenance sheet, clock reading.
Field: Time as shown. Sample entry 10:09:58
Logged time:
6:56:46
